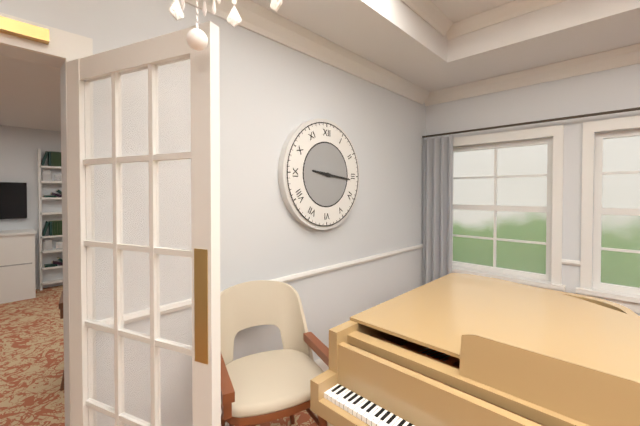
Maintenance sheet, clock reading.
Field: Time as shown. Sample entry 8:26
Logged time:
9:16
